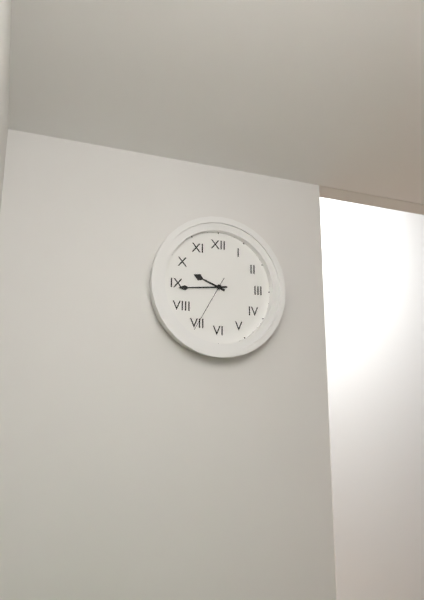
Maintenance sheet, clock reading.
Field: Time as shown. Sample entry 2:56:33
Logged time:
9:44:35
